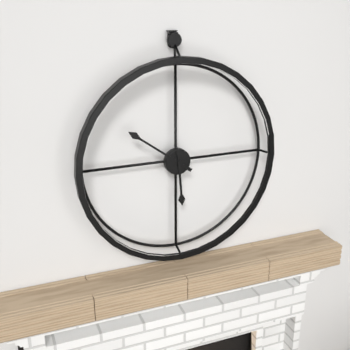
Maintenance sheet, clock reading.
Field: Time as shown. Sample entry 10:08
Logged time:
5:51
